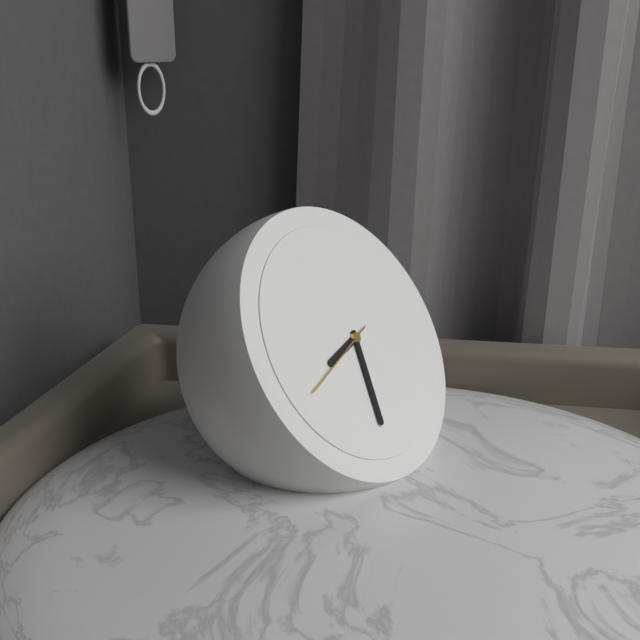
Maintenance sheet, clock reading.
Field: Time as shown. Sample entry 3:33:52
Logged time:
8:32:42
